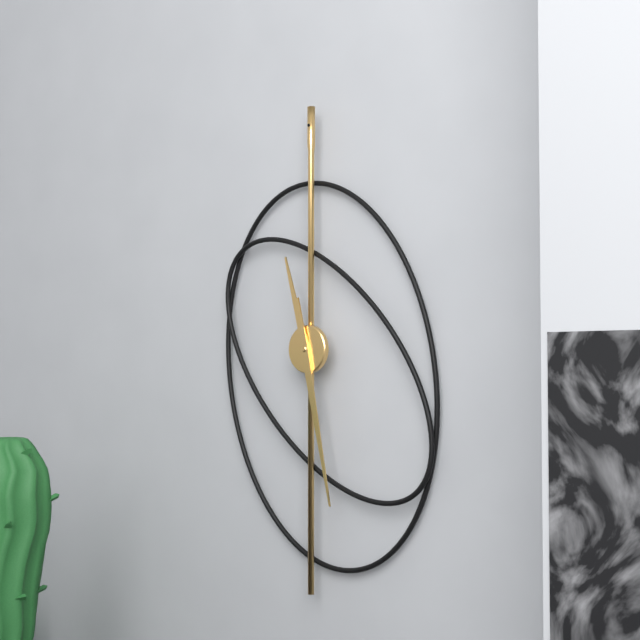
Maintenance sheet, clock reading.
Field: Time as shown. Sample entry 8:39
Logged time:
11:28
